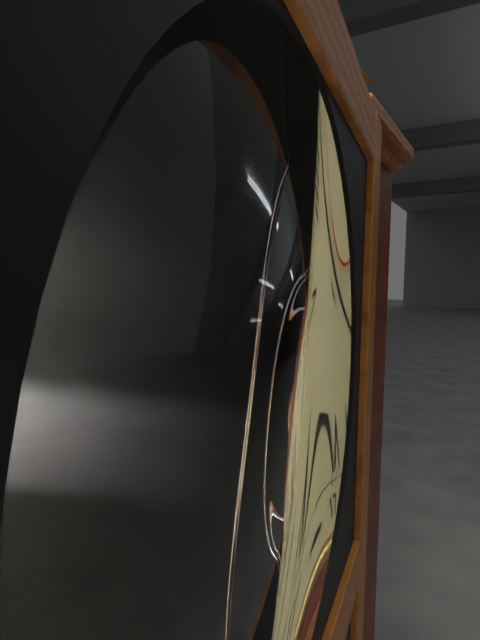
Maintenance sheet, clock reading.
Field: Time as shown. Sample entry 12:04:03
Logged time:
11:16:09
